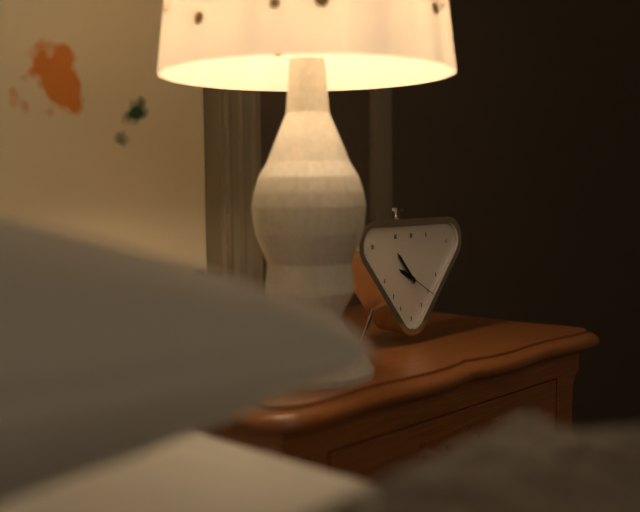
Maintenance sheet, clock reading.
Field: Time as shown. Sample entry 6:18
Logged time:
9:53
